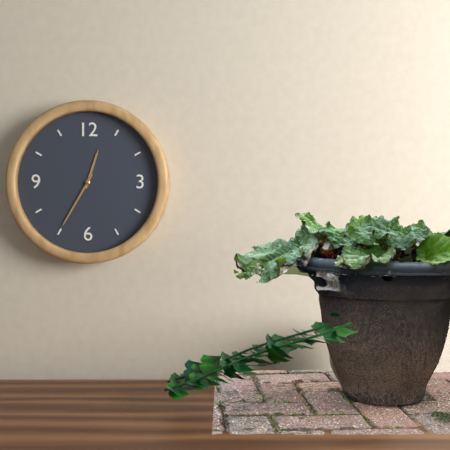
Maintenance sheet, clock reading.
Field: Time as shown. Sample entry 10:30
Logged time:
12:35
